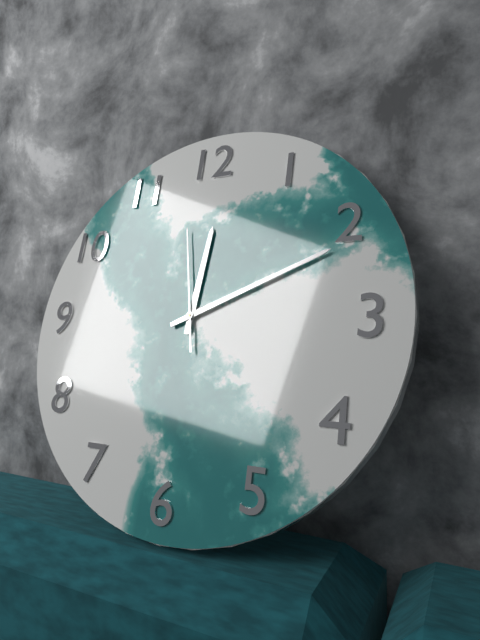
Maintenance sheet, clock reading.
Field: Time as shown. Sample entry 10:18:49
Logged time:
12:11:58
